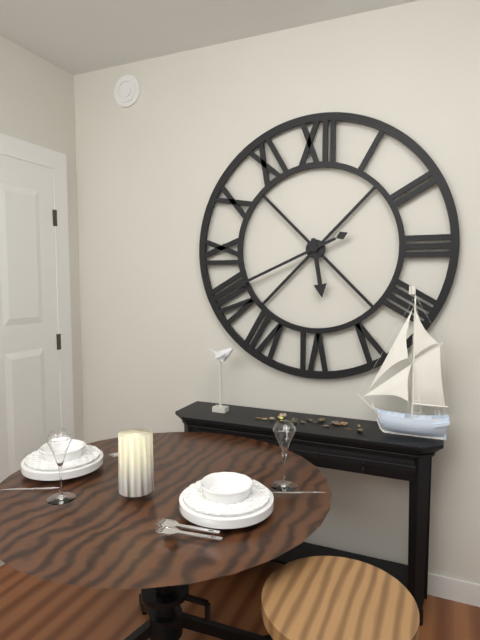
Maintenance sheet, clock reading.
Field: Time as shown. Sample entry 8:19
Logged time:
5:41
